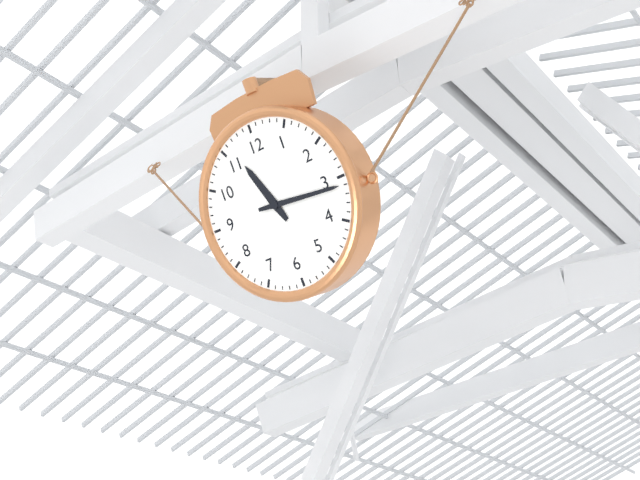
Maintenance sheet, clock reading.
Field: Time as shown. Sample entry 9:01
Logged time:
11:16
